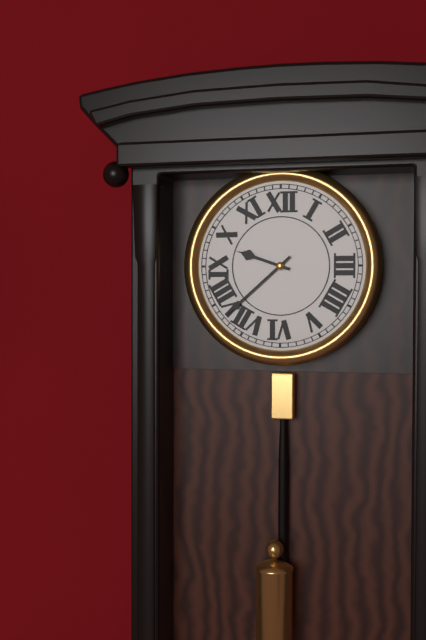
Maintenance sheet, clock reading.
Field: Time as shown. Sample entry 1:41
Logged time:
9:38
